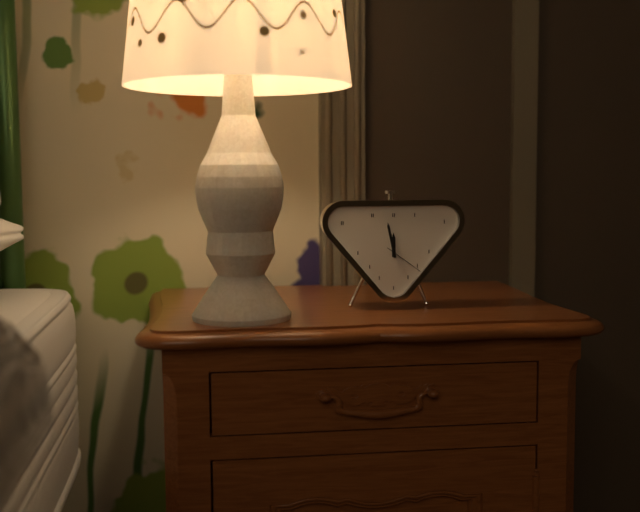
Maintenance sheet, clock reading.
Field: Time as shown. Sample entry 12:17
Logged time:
11:58
